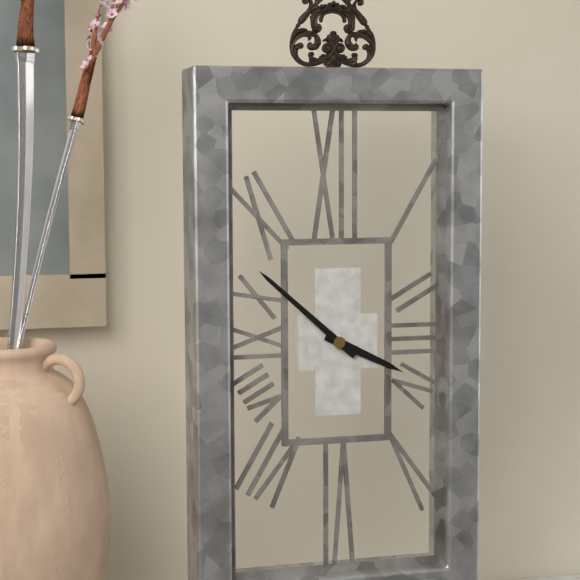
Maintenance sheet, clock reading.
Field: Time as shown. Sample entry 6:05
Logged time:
3:52
